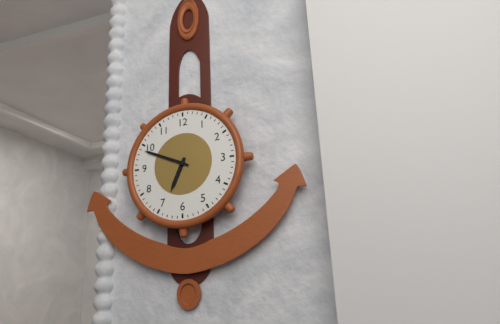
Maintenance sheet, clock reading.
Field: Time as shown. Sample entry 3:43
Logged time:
6:49
